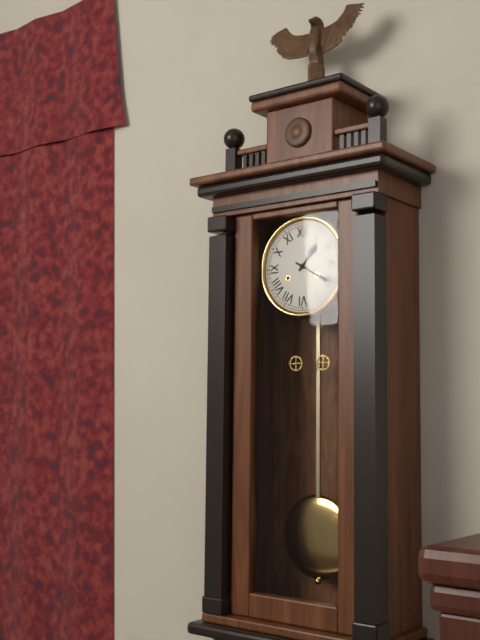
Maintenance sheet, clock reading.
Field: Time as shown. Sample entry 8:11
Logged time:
1:20
